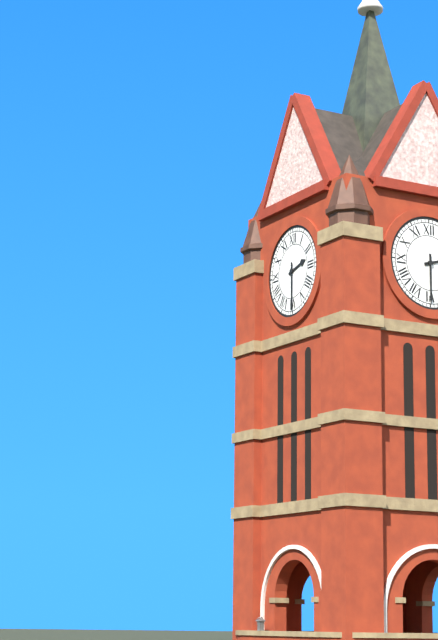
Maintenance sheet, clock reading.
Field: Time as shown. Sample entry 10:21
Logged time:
2:30
